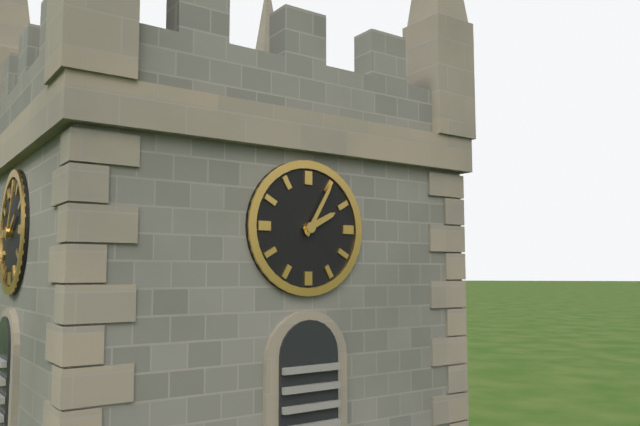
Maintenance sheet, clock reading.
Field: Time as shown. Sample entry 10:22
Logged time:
2:05
